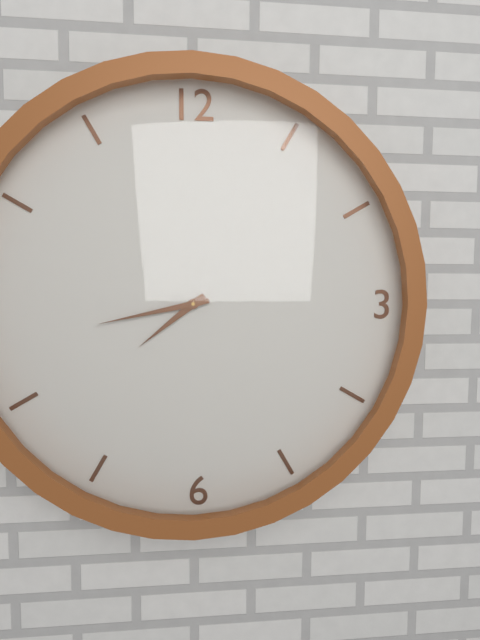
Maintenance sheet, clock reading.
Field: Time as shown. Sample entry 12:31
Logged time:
7:43
